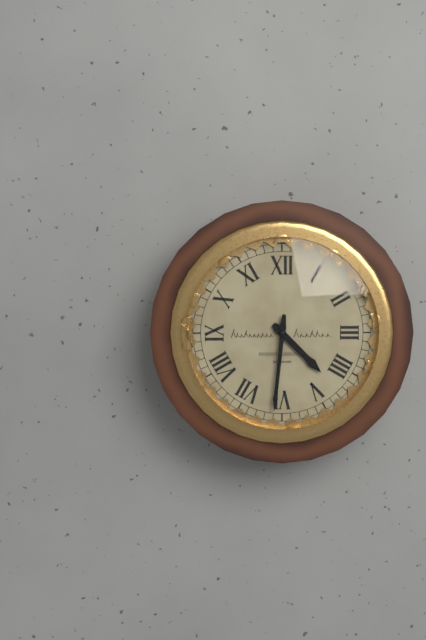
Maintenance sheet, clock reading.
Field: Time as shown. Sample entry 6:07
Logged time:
4:31
